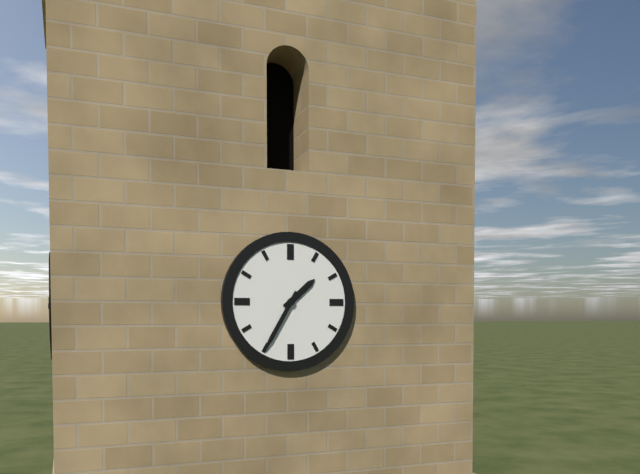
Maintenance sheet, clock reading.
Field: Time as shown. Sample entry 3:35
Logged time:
1:35
